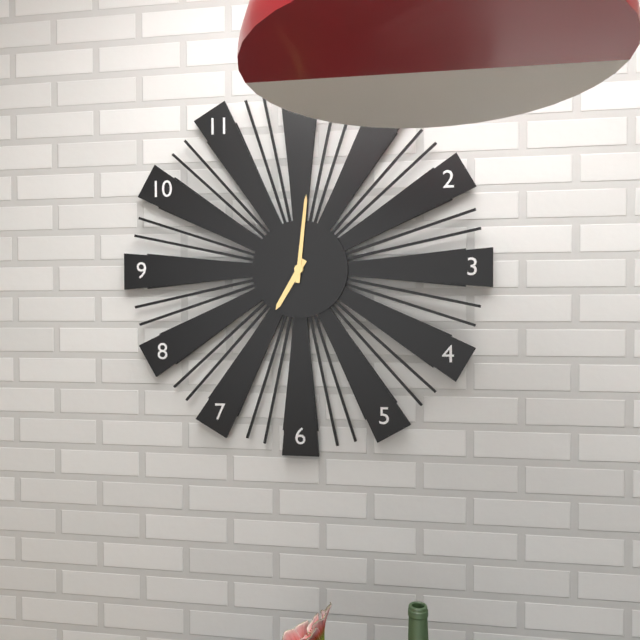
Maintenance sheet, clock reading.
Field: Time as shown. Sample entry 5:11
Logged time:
7:01
